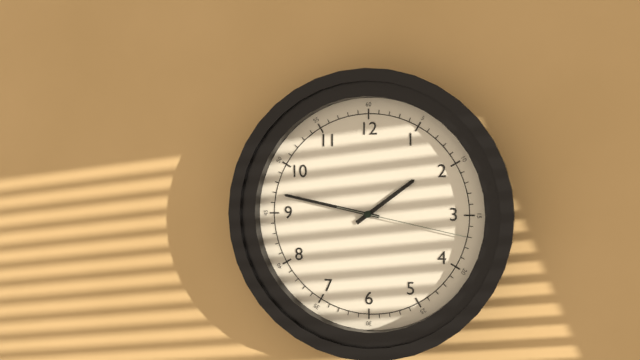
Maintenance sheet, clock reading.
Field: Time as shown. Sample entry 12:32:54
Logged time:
1:47:17
